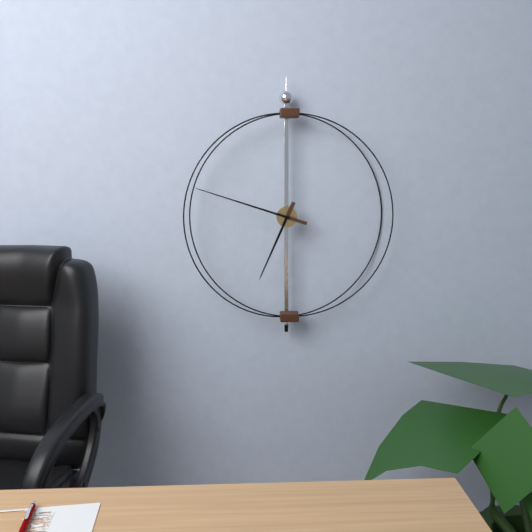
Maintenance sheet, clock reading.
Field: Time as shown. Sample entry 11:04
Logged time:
6:48
